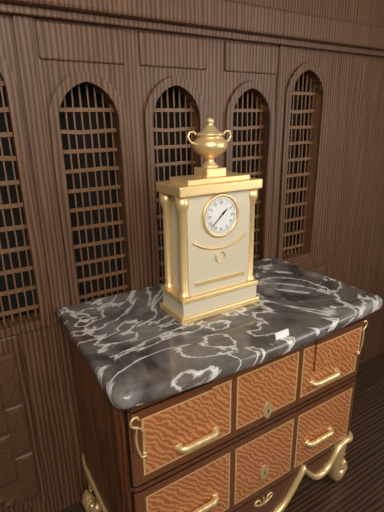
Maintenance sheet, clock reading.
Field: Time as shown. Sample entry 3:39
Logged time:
1:38
